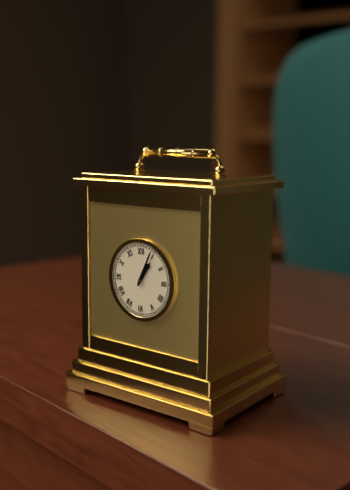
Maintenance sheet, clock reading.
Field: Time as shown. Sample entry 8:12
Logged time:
1:04
